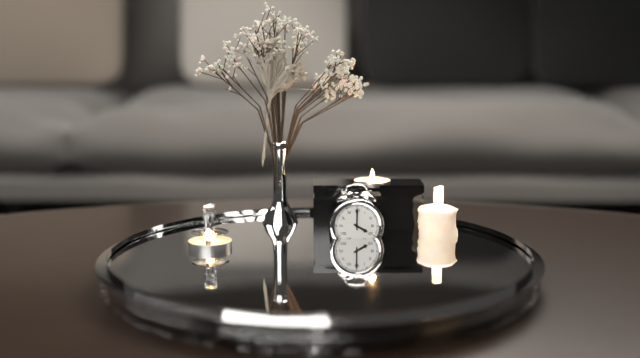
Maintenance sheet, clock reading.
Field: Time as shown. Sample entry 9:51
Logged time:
4:00
